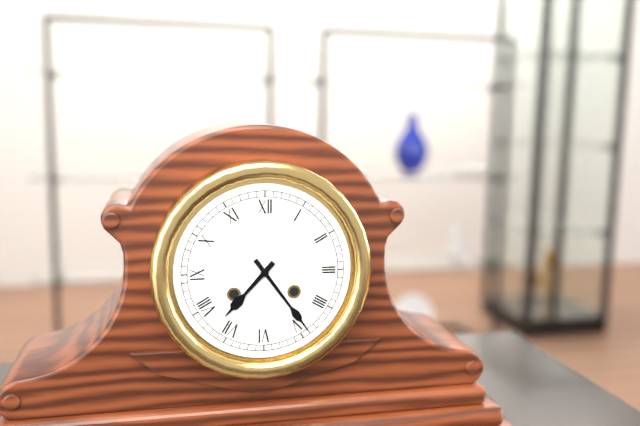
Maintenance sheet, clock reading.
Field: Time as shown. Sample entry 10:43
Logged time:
7:24
